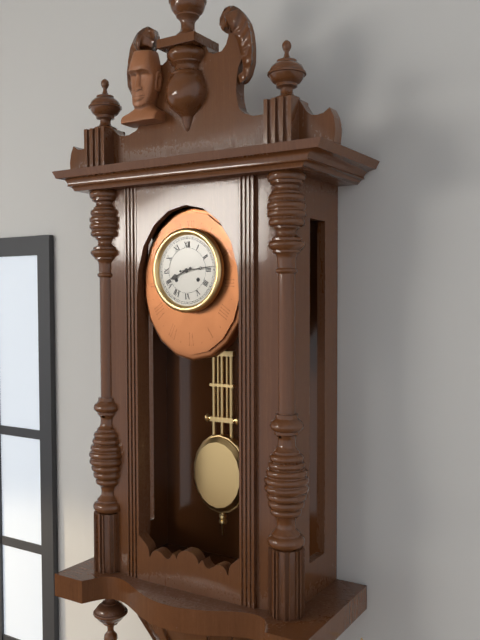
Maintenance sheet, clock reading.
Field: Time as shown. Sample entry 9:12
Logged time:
8:14
